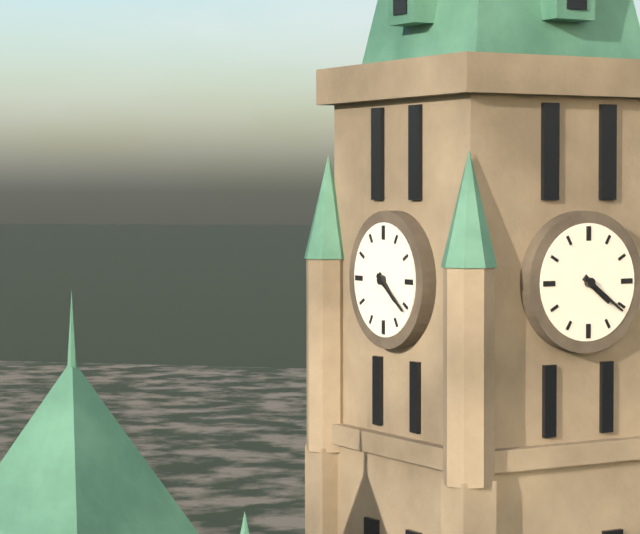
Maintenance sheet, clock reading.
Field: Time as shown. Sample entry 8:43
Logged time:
4:21
